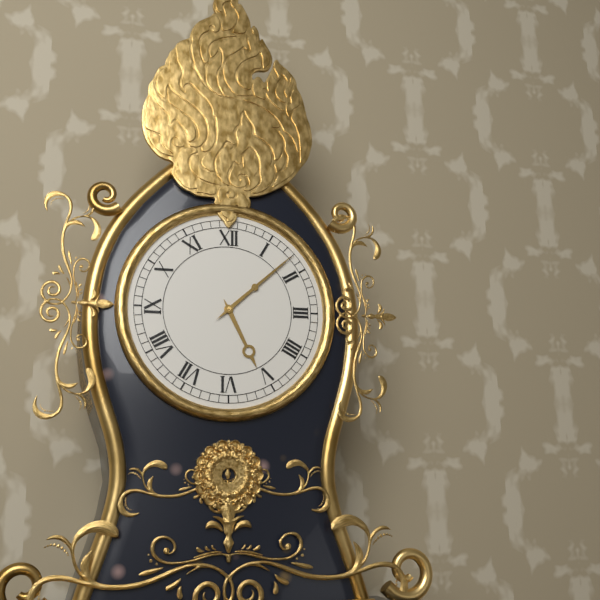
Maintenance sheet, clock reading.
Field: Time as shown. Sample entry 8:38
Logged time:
5:08
